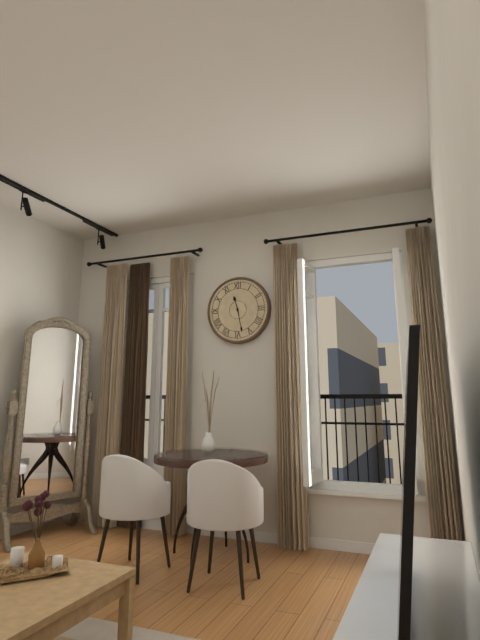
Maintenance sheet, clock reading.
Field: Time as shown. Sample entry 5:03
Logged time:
11:28
